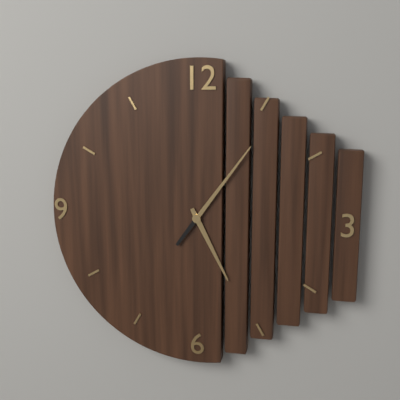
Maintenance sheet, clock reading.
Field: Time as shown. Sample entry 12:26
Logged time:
5:06
